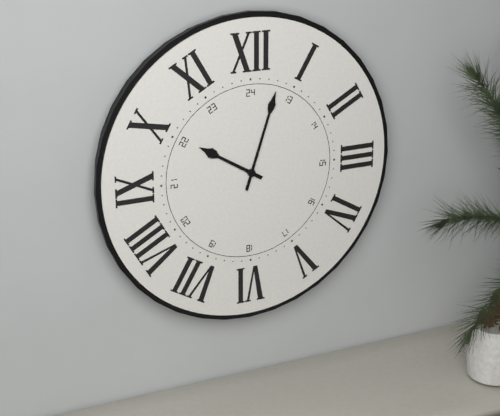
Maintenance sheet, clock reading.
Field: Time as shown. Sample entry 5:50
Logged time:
10:03
